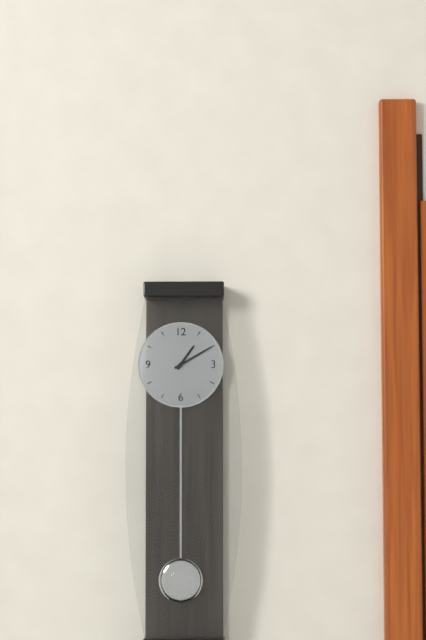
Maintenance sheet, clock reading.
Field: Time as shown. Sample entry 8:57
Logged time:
1:10
